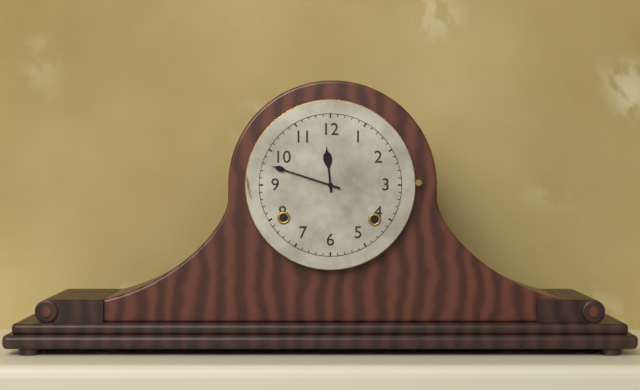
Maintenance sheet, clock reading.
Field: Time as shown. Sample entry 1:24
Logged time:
11:48
